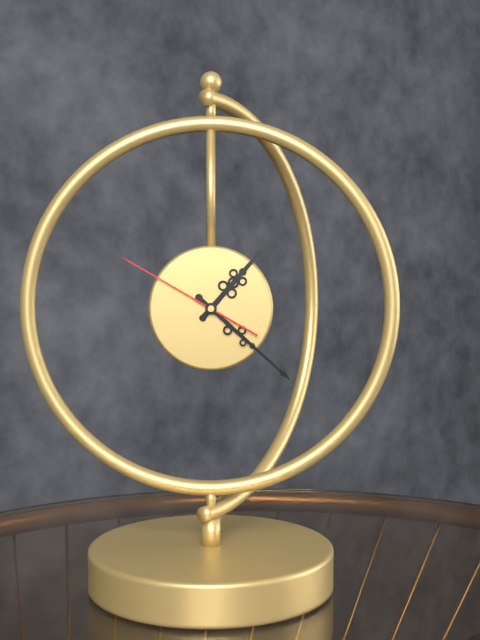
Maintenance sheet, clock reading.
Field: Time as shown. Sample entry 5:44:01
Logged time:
1:22:50
